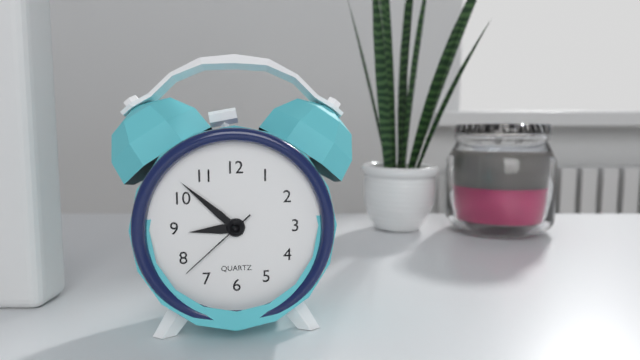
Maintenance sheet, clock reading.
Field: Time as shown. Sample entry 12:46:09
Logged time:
8:52:38
